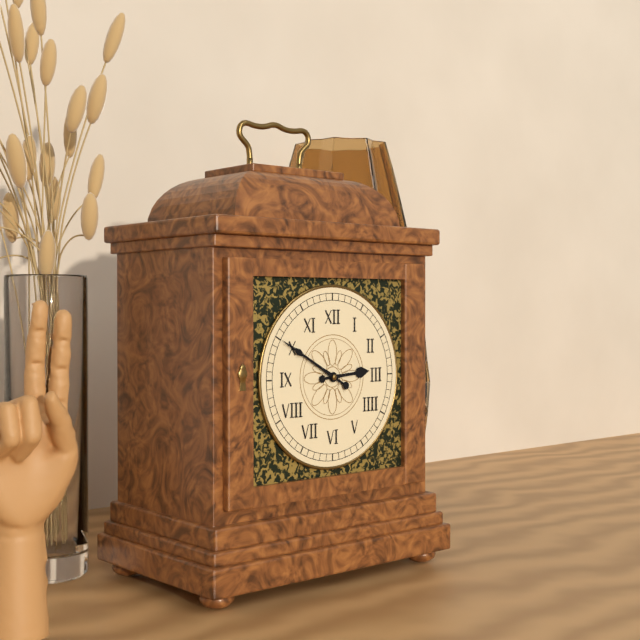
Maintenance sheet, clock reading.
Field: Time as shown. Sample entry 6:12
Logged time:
2:50
